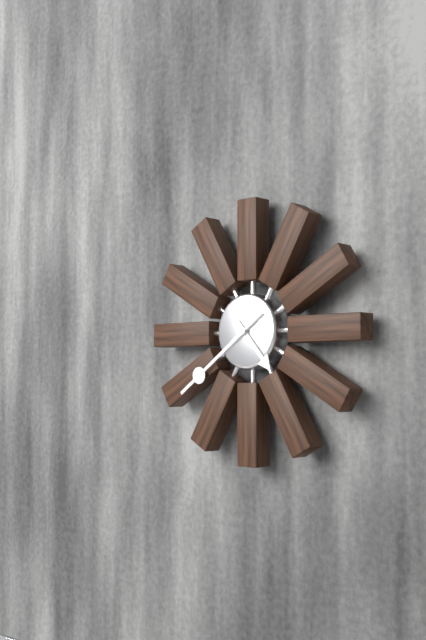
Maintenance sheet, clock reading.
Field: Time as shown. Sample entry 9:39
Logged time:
4:39
